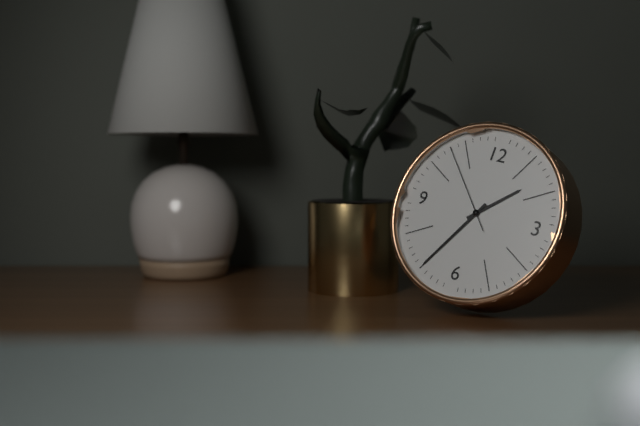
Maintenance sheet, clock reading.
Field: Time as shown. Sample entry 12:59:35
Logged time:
1:35:53
